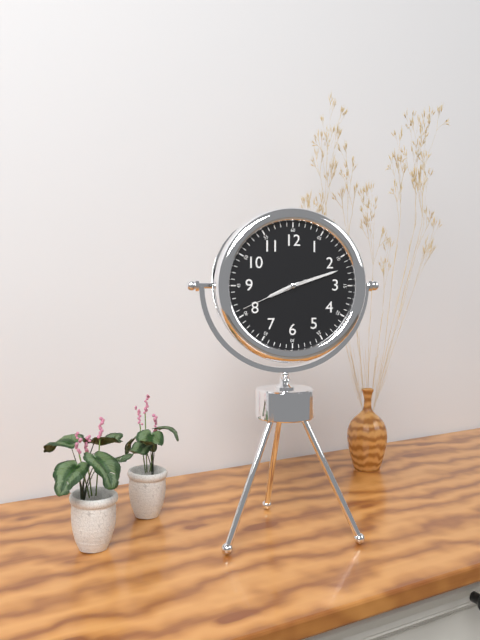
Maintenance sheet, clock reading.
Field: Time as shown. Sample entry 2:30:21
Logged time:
8:12:41
